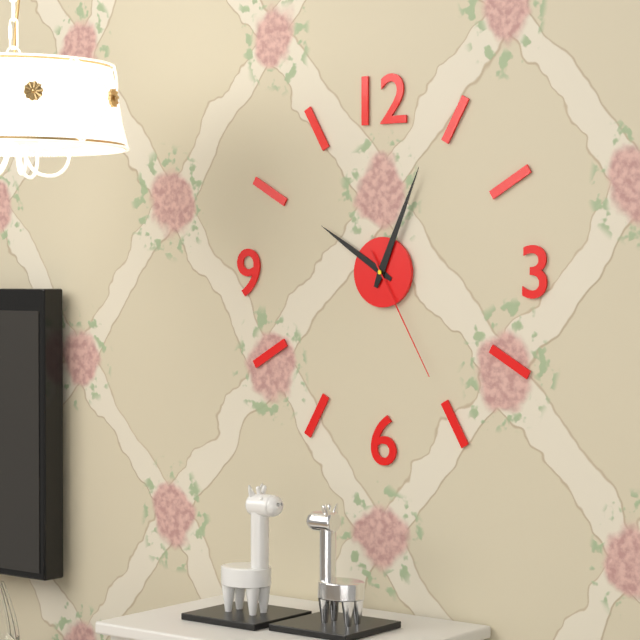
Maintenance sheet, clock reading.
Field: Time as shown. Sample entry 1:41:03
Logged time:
10:04:25
